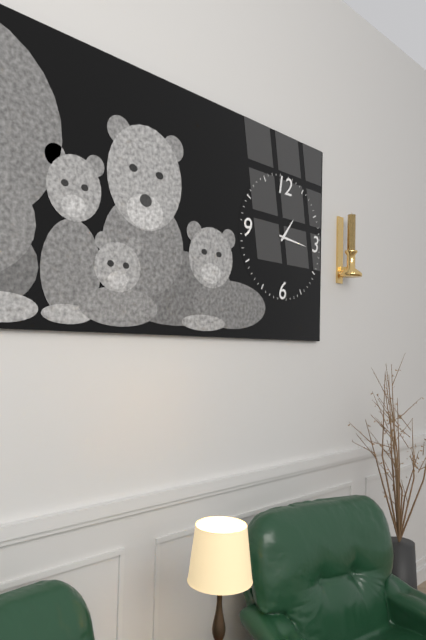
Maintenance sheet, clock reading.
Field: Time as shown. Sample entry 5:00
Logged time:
1:16
